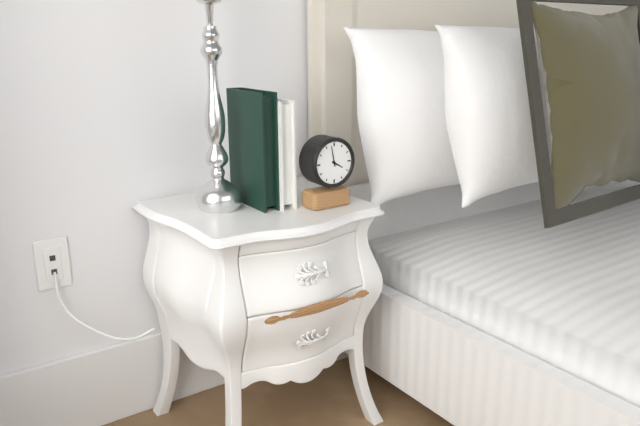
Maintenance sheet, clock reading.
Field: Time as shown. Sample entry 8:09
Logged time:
3:58
